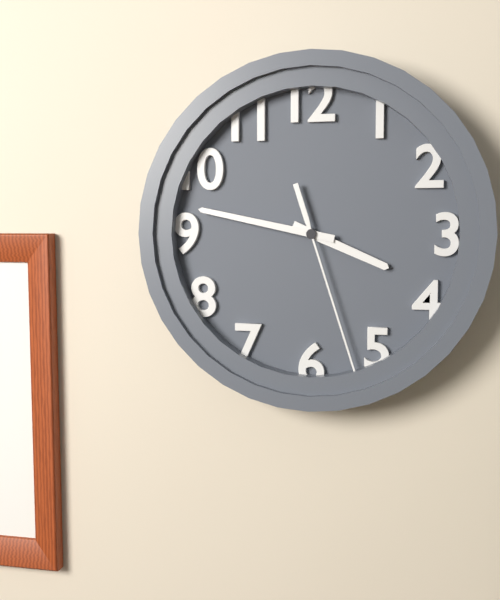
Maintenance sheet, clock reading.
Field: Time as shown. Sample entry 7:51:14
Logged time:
3:47:27
